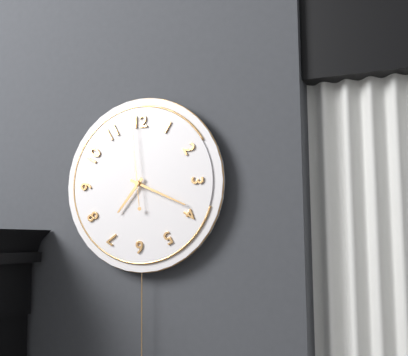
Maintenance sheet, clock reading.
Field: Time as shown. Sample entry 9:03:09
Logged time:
7:19:59
